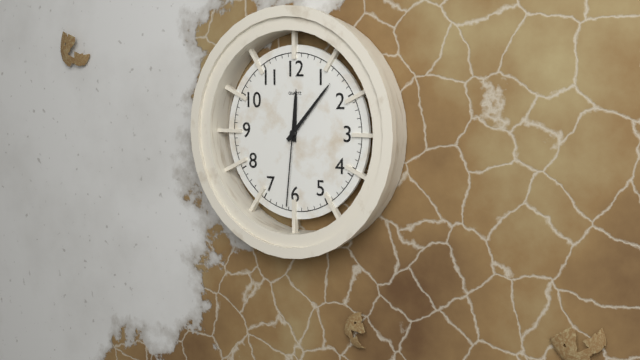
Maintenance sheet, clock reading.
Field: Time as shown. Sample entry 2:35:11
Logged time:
12:07:31
